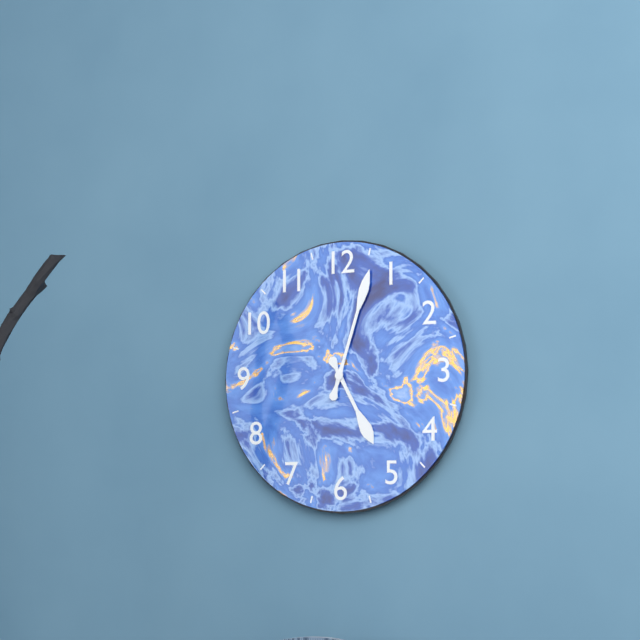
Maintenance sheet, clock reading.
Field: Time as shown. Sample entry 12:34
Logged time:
5:03
